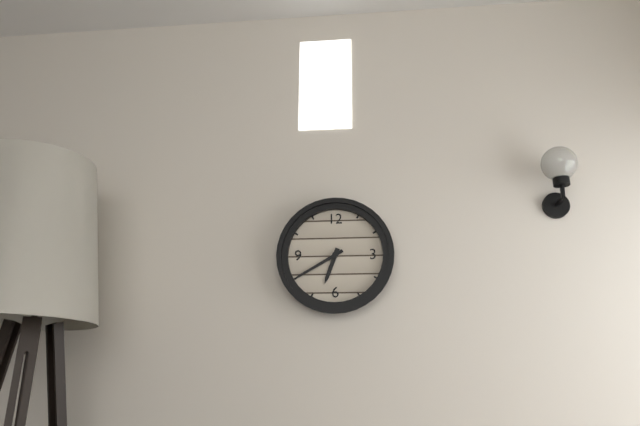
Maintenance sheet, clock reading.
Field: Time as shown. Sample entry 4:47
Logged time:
6:40
